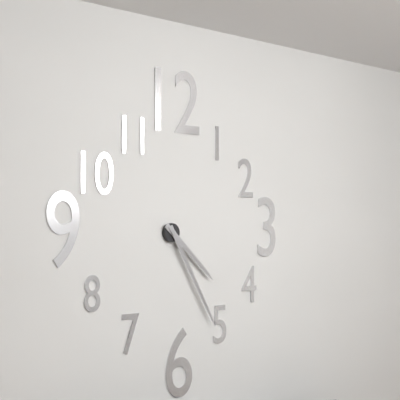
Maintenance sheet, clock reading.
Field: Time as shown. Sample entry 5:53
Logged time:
4:25
